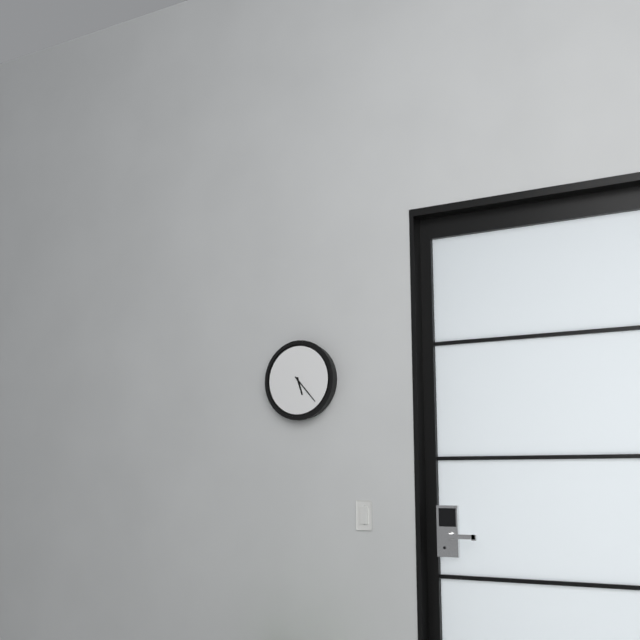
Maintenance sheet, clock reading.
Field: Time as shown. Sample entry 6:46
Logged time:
5:23
